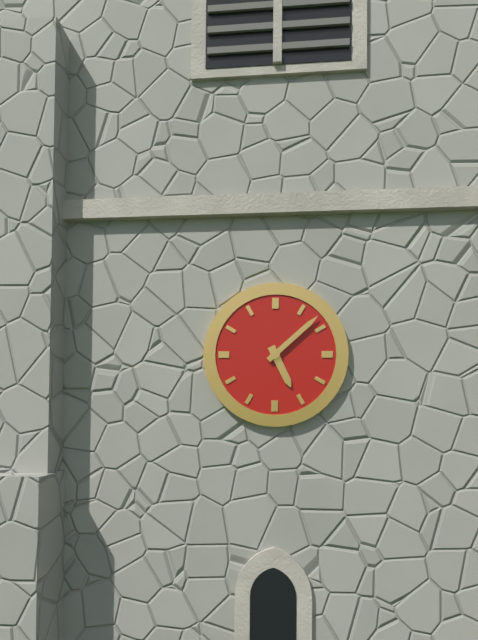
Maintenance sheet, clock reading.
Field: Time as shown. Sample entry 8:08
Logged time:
5:08
